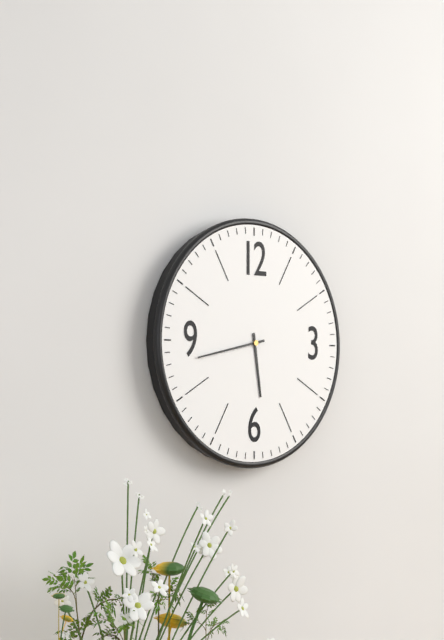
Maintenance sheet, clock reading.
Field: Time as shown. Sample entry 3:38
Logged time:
5:43
